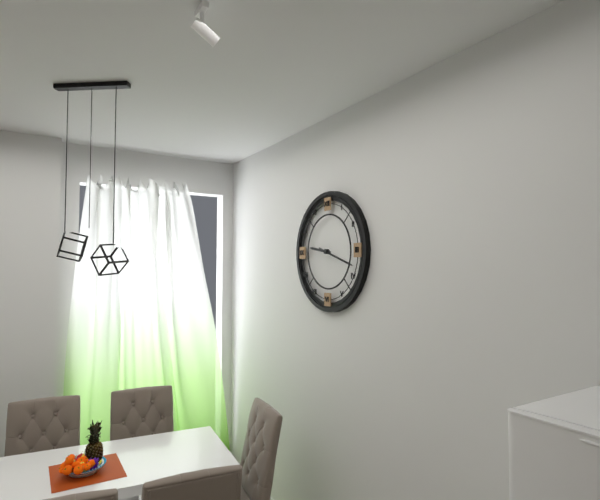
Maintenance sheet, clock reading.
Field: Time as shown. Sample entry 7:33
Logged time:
9:18
